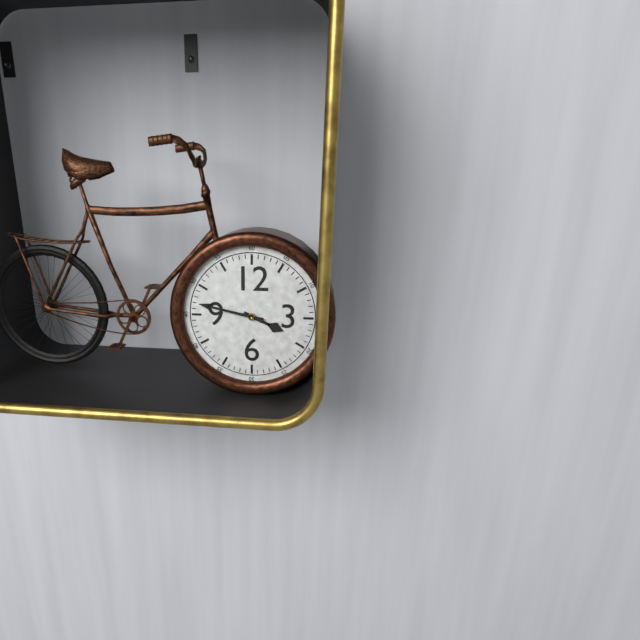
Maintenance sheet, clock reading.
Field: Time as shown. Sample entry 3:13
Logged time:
3:47
